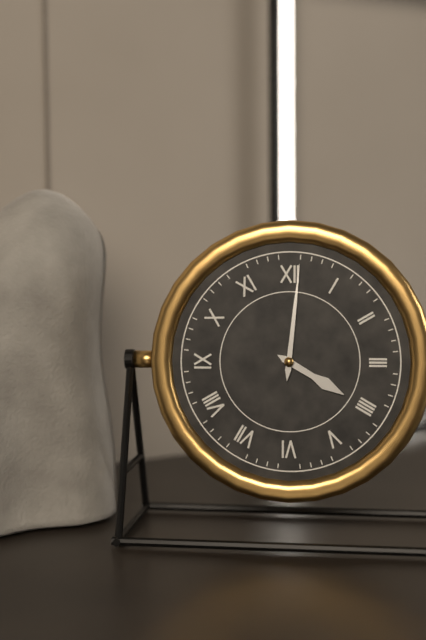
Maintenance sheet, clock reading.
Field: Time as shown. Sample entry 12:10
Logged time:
4:01
